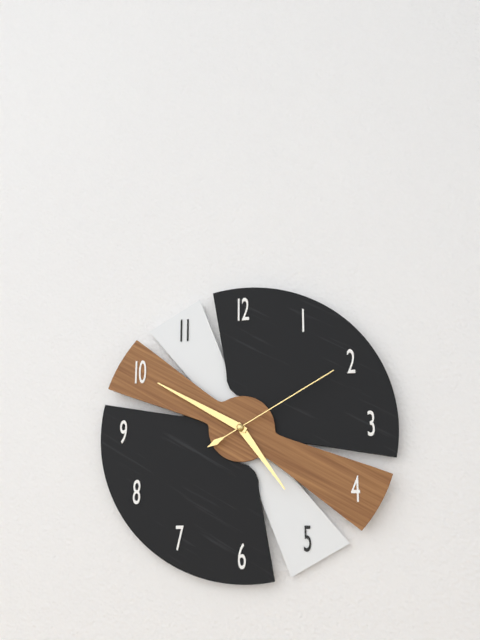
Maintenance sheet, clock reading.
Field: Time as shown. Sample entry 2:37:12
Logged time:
4:50:10
